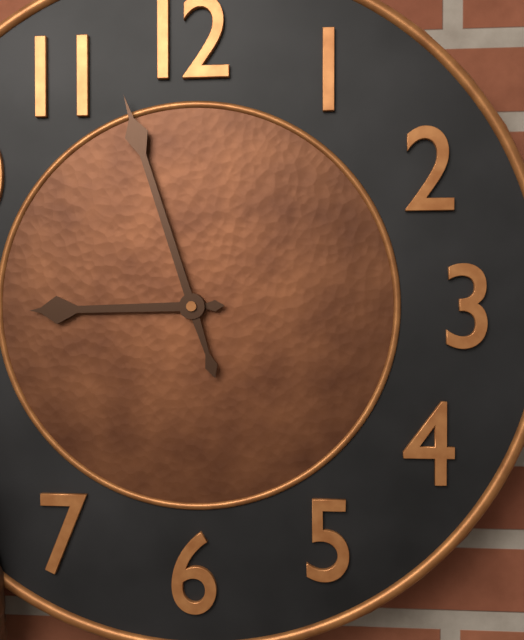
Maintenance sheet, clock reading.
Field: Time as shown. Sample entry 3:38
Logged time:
8:57
